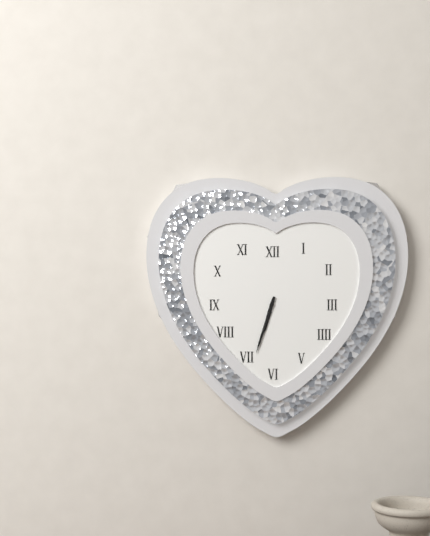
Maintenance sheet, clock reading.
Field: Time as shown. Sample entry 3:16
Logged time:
6:33
